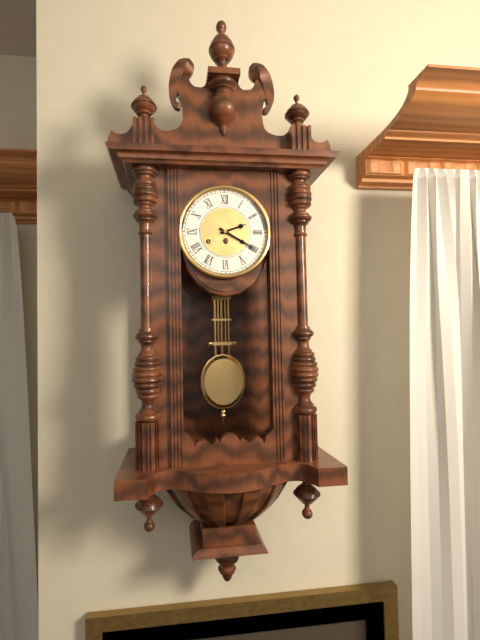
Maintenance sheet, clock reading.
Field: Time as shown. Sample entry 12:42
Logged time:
2:20
